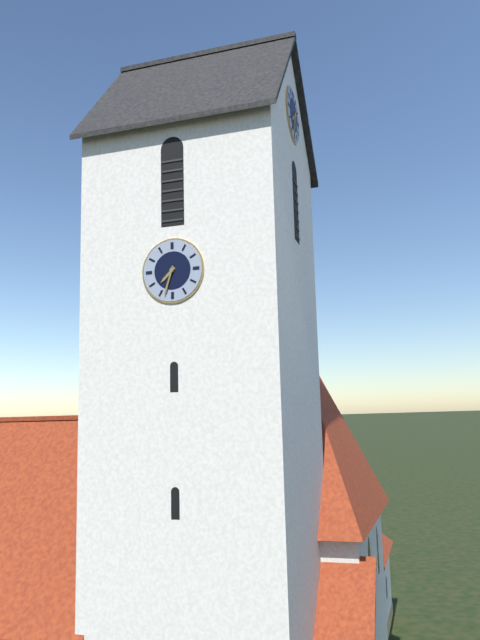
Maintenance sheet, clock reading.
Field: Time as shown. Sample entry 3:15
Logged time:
7:33
